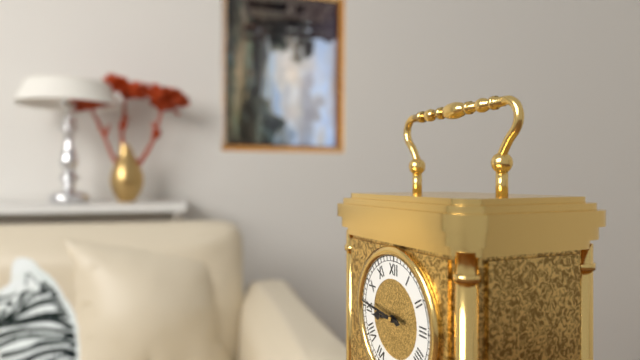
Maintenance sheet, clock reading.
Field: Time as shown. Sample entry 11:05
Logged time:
8:46
